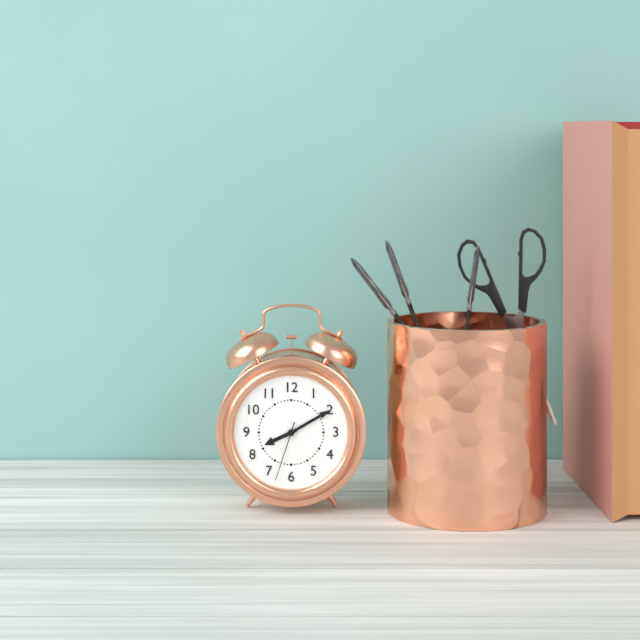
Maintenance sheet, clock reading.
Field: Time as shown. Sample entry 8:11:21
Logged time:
8:10:33
